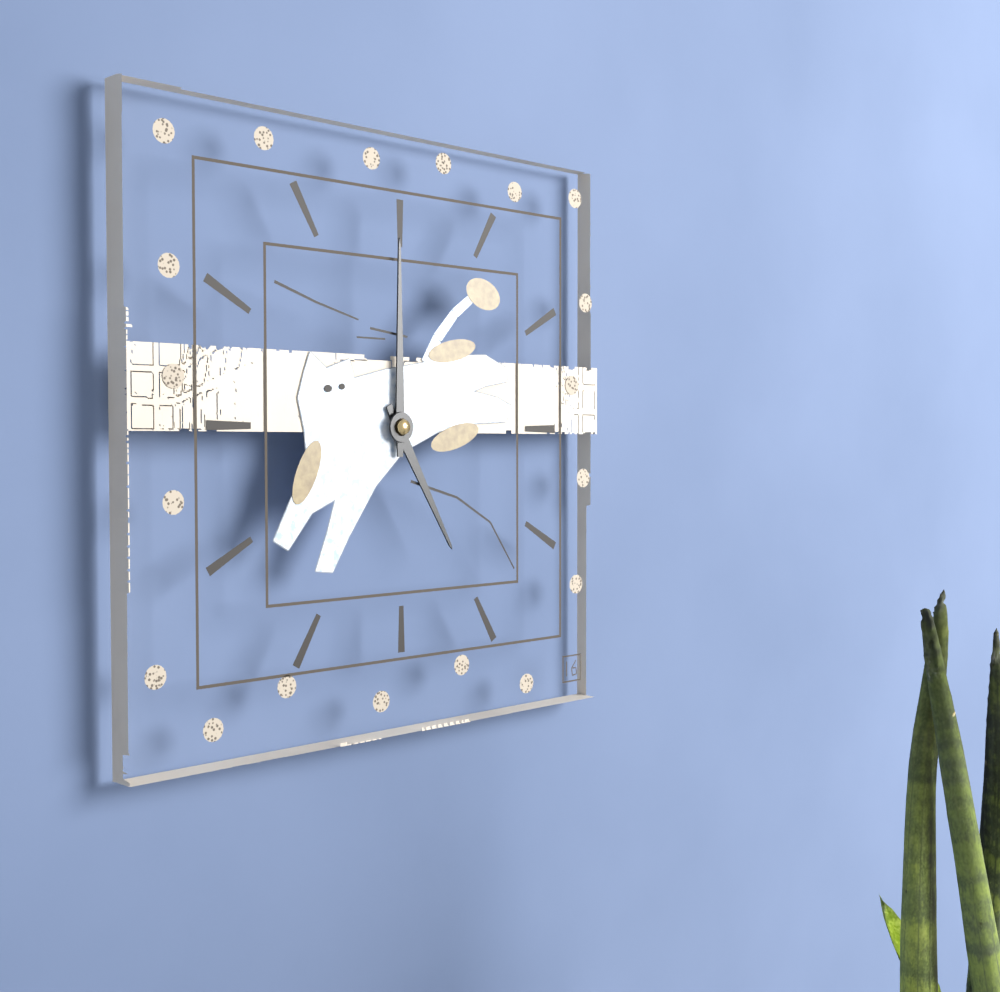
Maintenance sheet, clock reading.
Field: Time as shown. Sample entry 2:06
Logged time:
5:00
